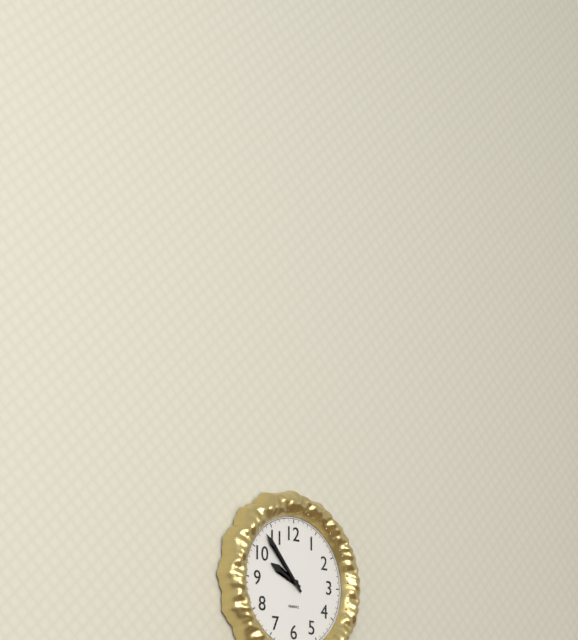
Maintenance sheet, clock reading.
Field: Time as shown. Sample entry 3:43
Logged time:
9:53
